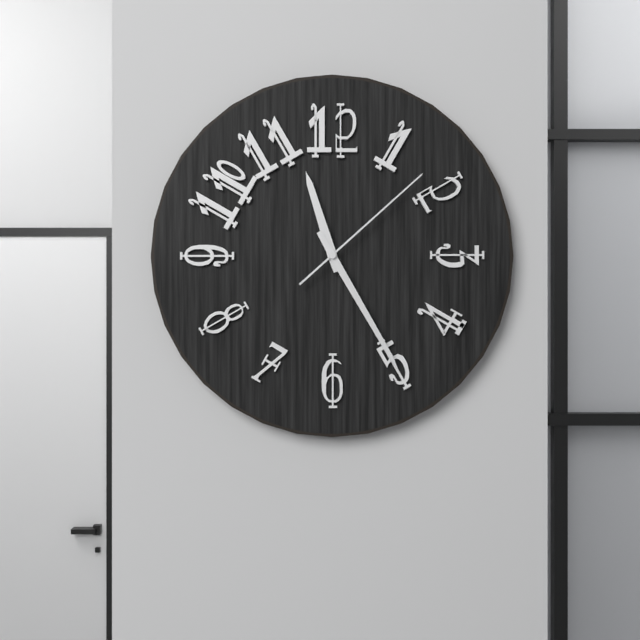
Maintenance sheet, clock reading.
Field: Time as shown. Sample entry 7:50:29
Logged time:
11:25:08
